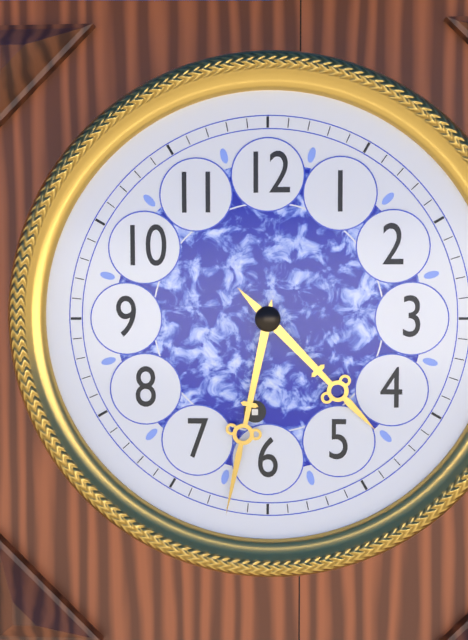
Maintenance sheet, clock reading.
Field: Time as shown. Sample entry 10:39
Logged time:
4:32
